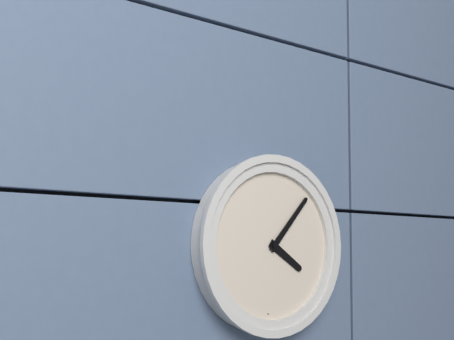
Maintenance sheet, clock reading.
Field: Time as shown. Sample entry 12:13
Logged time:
4:07
